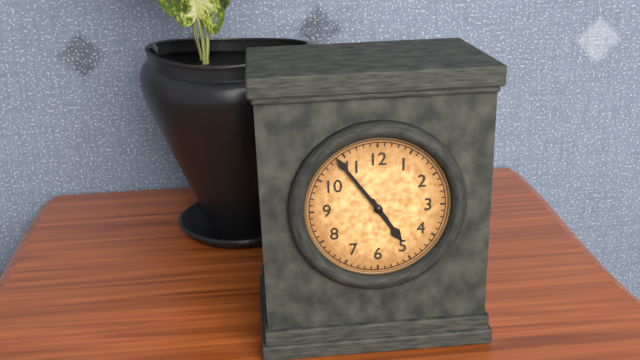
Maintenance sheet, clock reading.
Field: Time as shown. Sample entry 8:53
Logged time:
4:54
